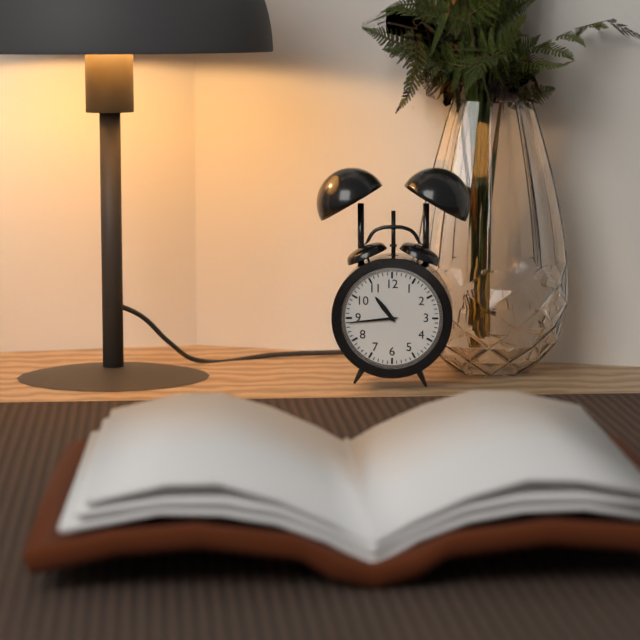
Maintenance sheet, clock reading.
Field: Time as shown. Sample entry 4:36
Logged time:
10:44
